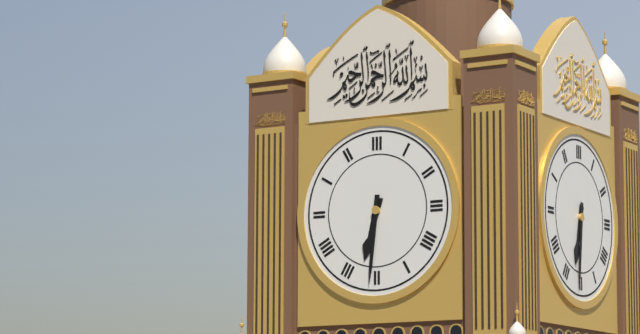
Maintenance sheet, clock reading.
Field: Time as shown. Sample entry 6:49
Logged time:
6:31
